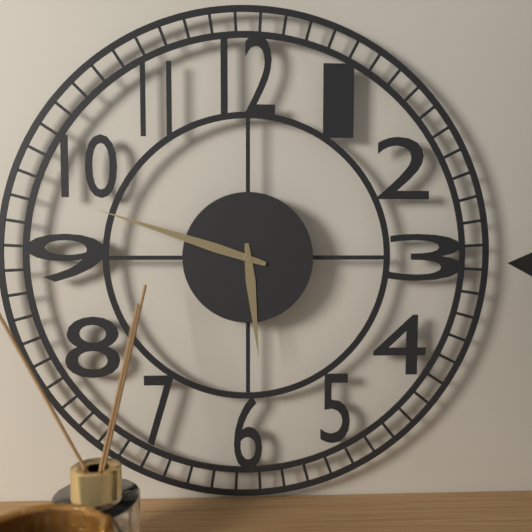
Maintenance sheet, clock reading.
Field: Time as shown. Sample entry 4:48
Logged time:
5:48
